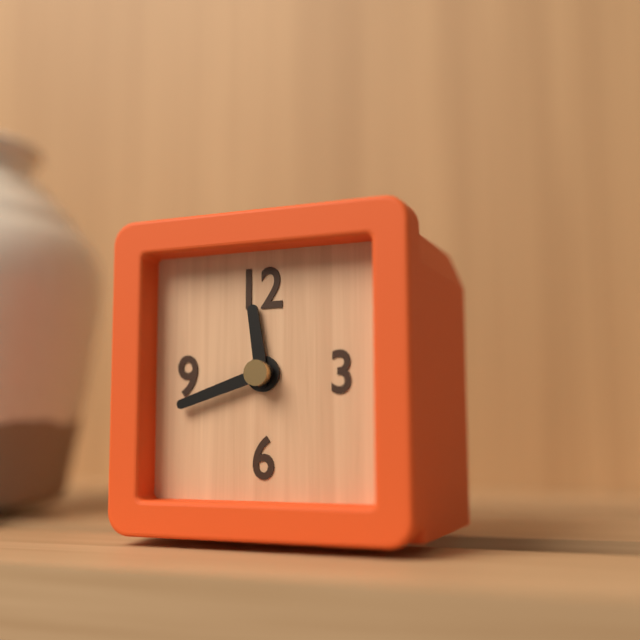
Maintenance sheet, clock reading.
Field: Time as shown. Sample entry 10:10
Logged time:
11:42
